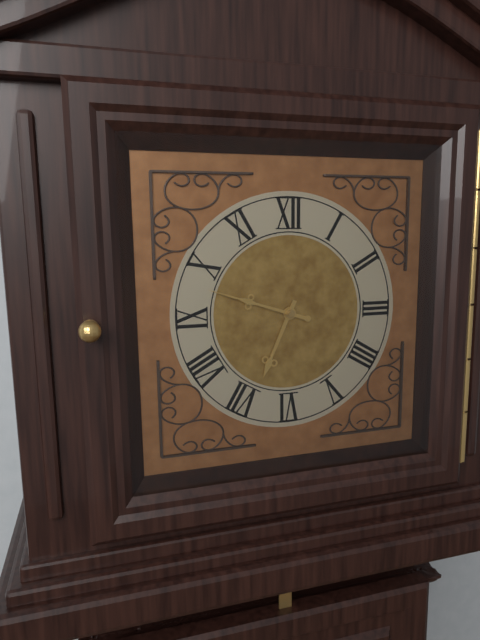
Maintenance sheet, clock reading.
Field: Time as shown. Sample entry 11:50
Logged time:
6:48
